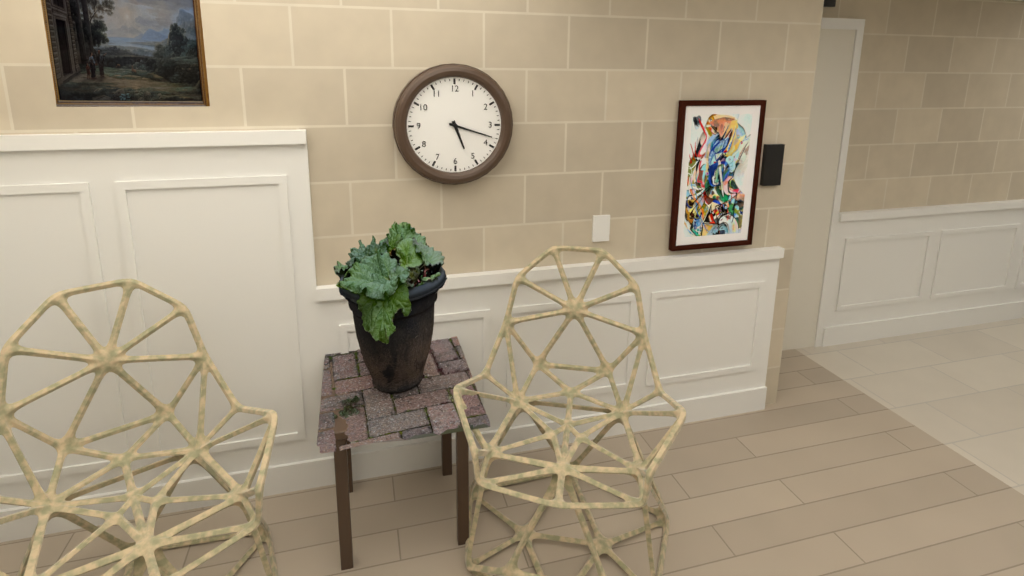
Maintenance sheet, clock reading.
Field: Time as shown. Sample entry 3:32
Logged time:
5:18
